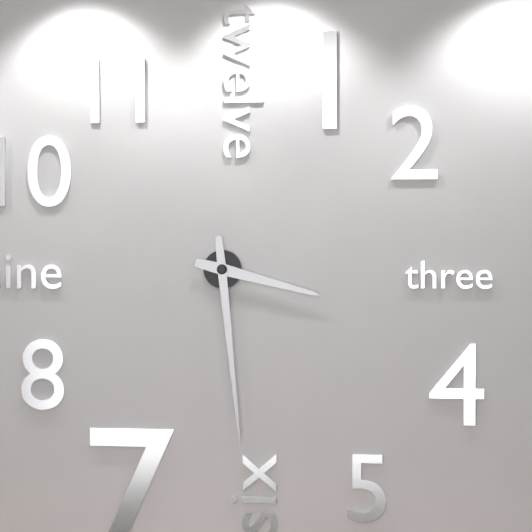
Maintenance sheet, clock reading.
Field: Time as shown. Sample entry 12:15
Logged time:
3:29
